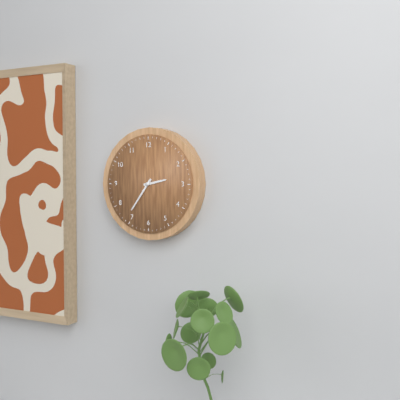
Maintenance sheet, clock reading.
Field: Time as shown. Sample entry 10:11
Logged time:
2:36
